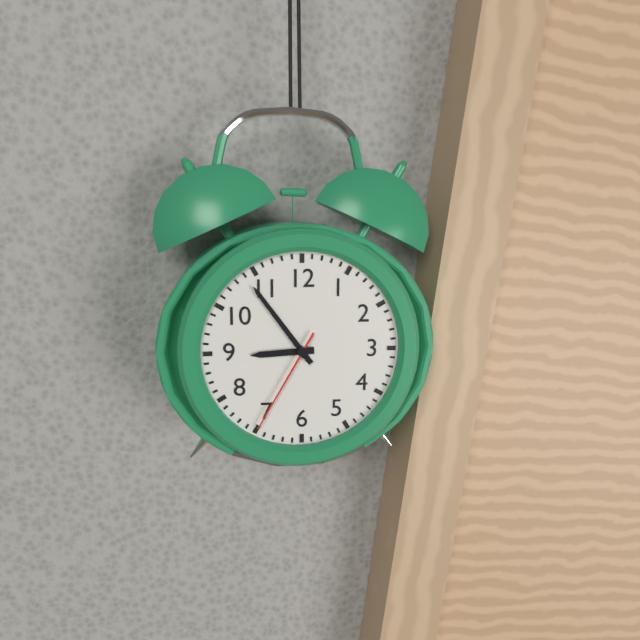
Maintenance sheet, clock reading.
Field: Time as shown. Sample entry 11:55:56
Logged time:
8:54:35
